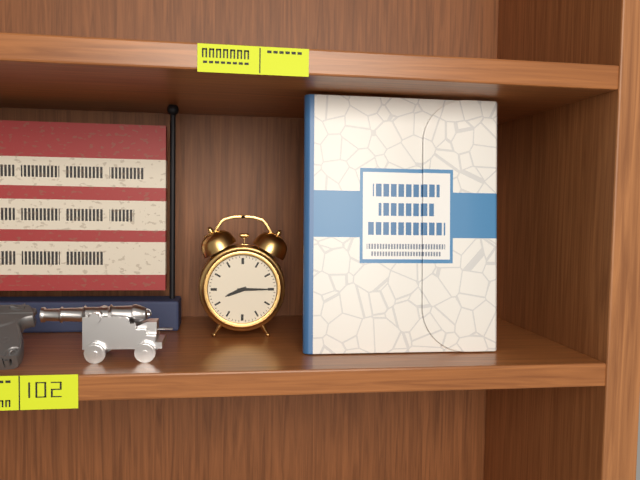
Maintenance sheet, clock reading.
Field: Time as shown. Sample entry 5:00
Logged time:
8:15
